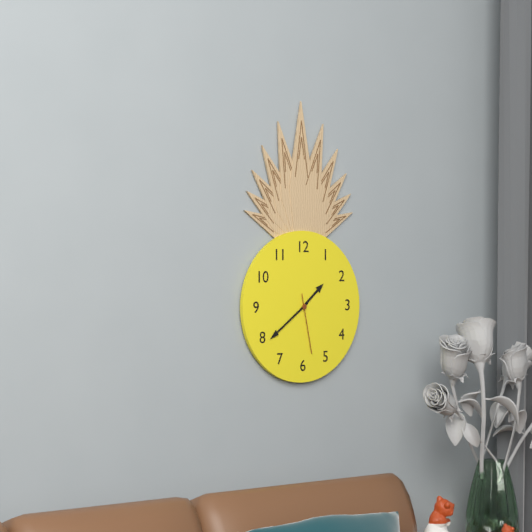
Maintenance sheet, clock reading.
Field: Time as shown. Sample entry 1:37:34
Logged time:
1:39:28
